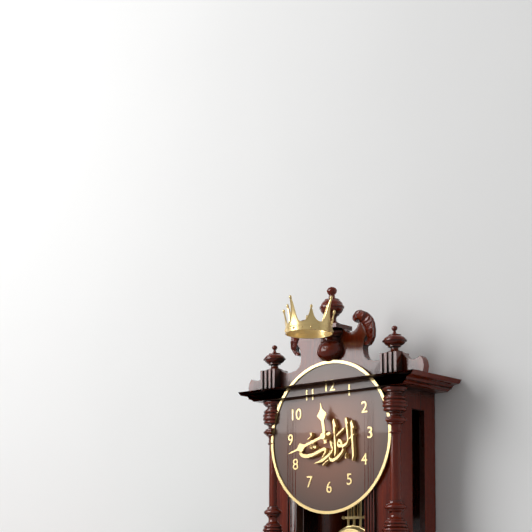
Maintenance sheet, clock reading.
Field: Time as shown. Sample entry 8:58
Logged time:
11:42
